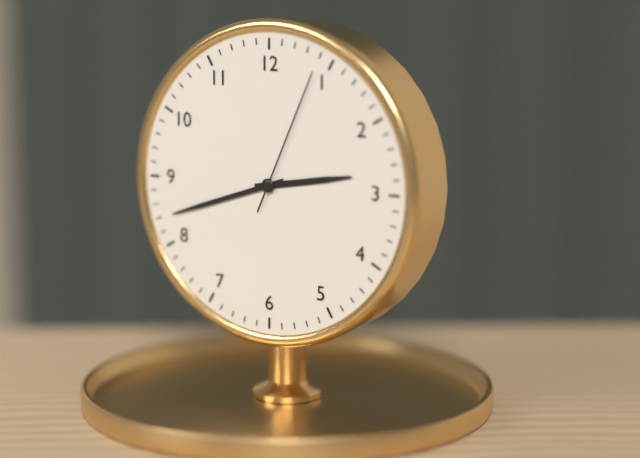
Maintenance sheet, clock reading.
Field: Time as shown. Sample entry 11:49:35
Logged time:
2:42:04
